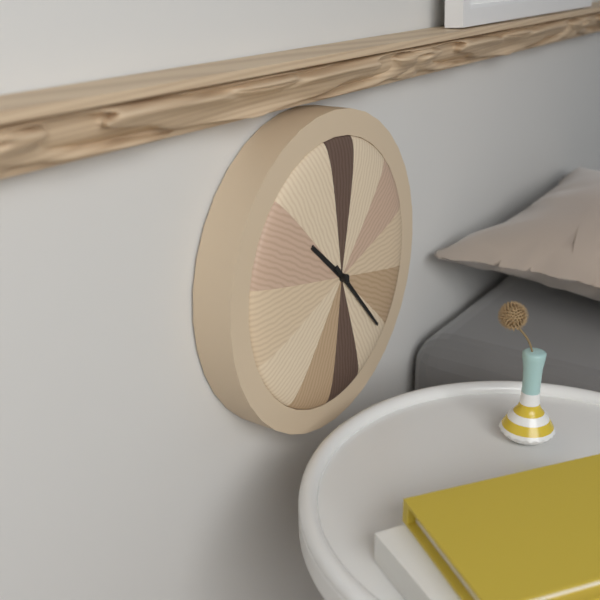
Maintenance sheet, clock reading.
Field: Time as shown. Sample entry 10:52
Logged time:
10:23
